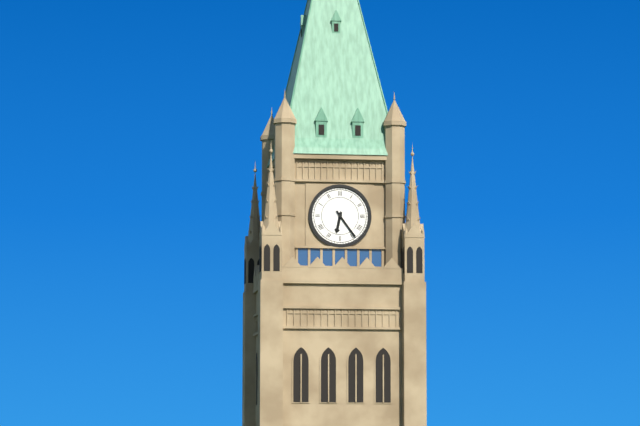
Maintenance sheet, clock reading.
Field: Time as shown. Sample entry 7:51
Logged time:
6:24
